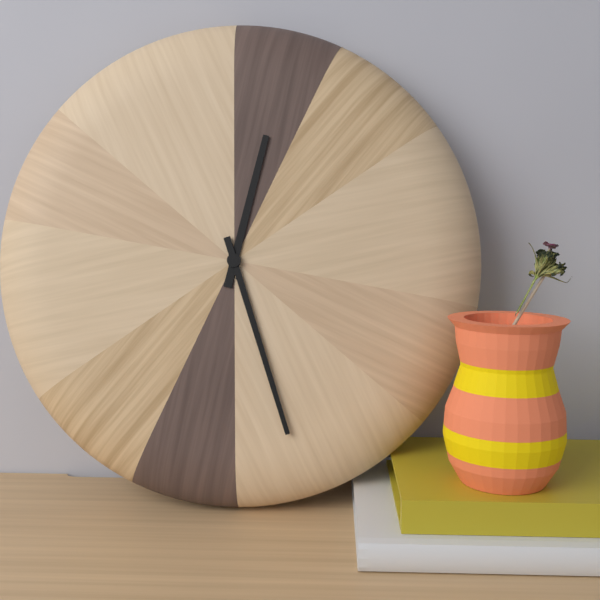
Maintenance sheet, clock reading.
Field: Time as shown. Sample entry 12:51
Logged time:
12:27
